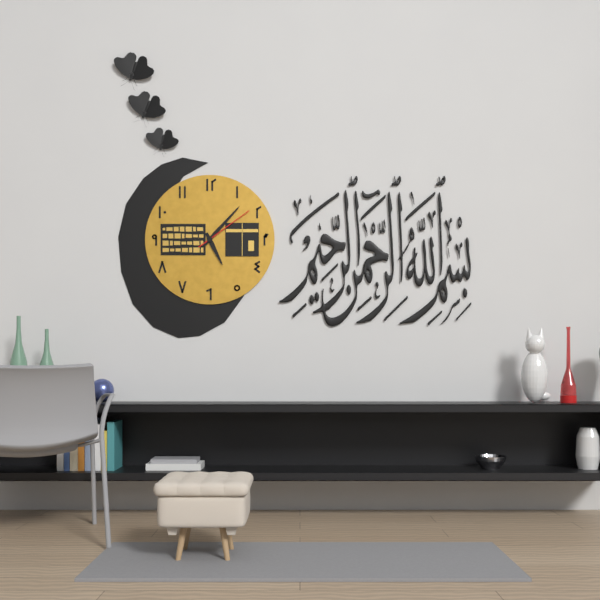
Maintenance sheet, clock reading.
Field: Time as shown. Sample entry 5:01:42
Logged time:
5:07:09
